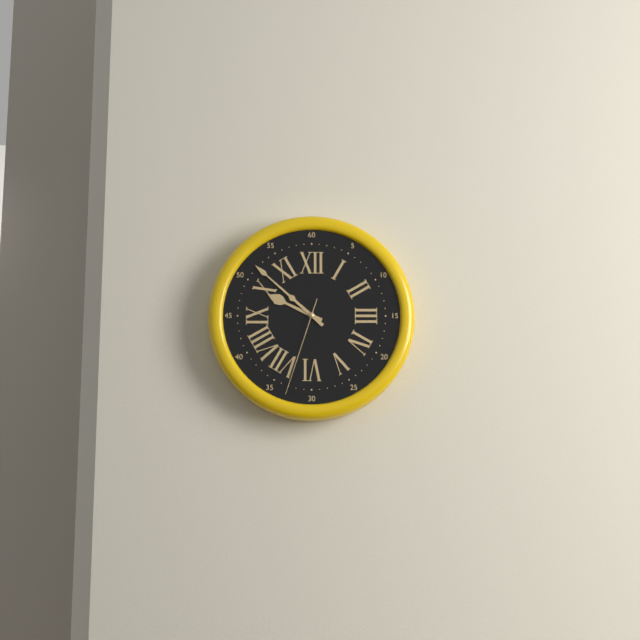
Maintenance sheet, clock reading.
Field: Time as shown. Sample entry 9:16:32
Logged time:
9:52:33
